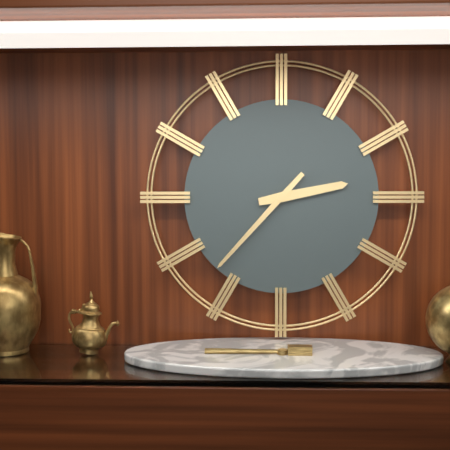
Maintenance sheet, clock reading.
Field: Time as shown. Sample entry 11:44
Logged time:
2:37
